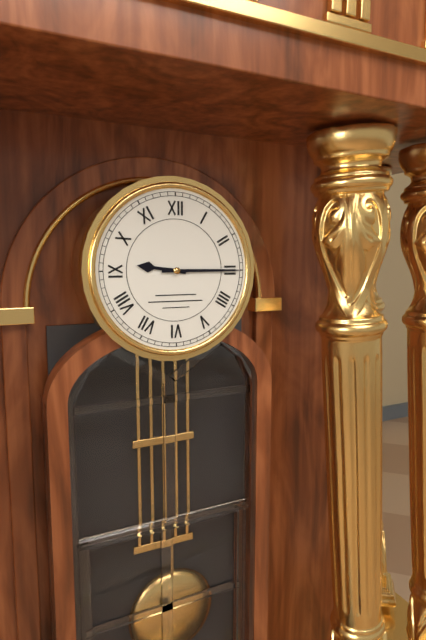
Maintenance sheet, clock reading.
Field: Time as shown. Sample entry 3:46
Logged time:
9:15
